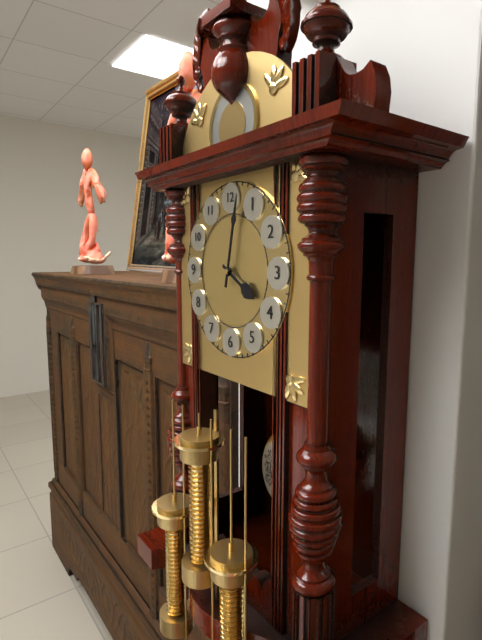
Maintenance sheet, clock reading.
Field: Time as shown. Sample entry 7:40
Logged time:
4:02
